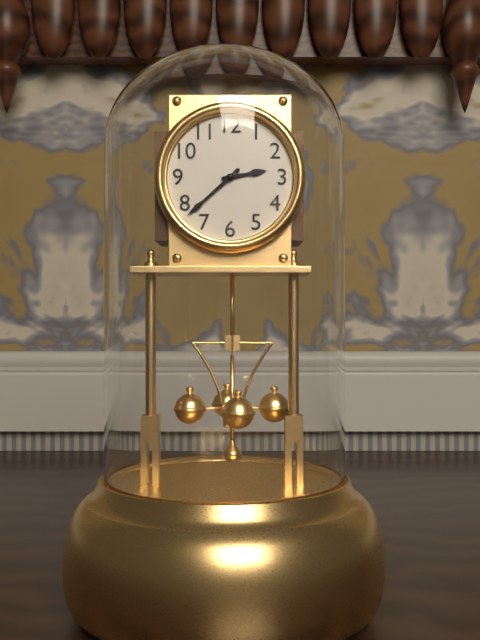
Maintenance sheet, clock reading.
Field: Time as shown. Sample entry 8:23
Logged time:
2:38
